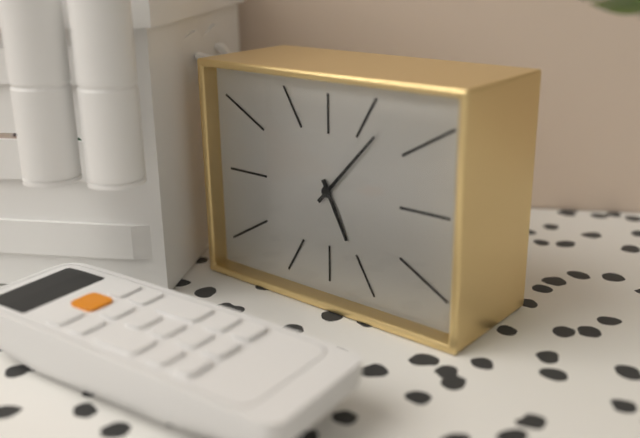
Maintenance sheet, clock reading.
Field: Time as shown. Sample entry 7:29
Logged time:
5:07
